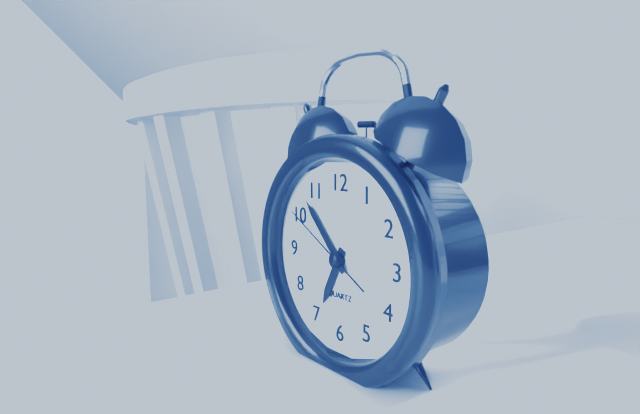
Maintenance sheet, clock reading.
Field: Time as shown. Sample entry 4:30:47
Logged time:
6:53:50
